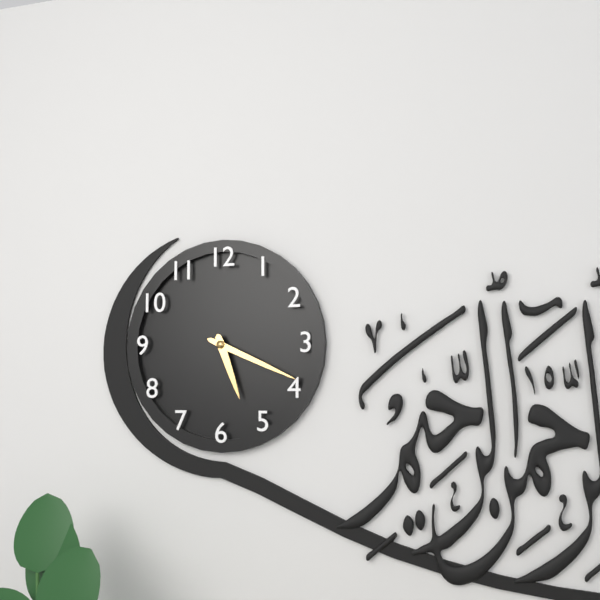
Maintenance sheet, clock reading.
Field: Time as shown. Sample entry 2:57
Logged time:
5:19
